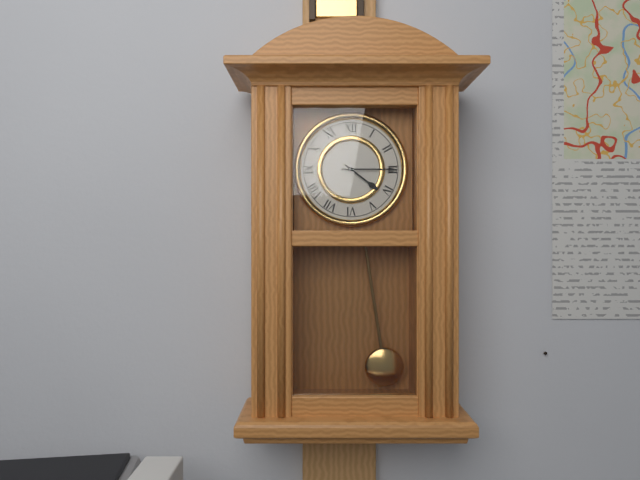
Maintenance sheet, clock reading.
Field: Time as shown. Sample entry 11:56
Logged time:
4:15
